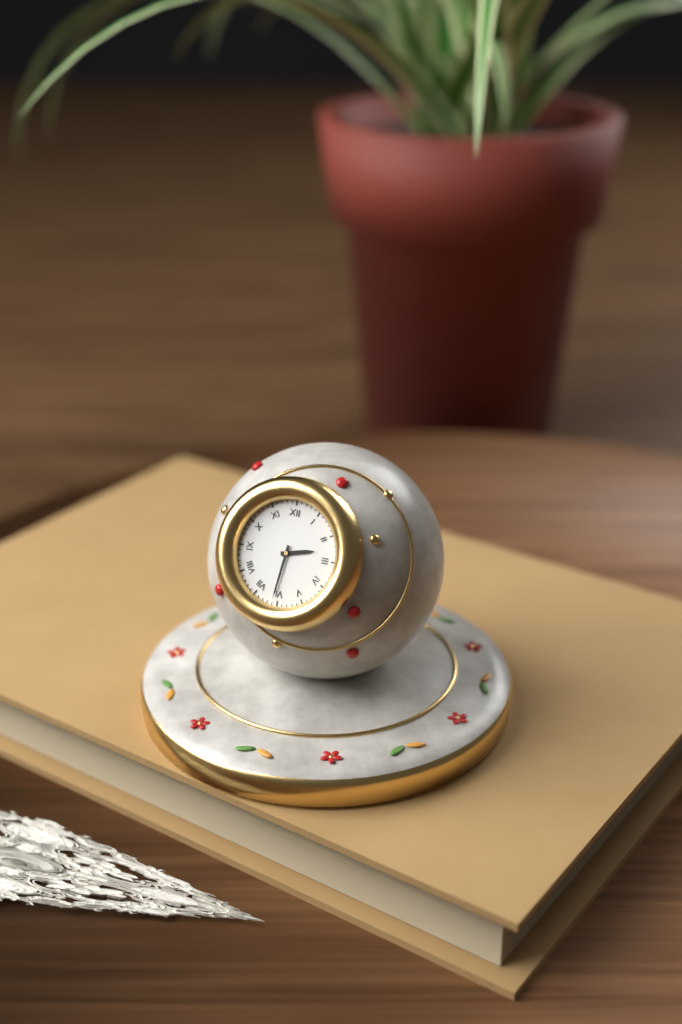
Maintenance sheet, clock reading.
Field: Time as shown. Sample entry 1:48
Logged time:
2:31
